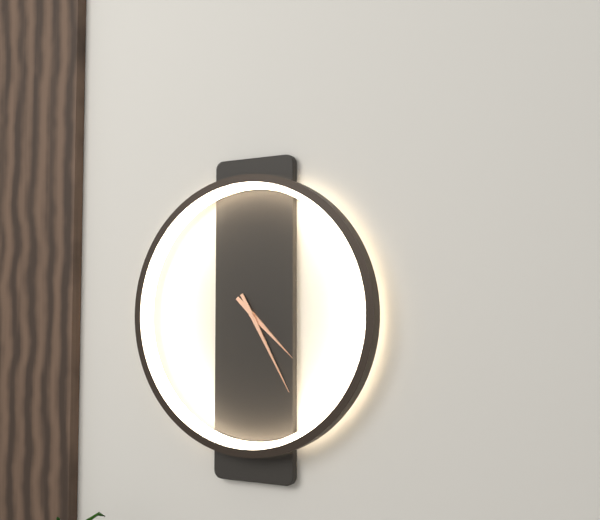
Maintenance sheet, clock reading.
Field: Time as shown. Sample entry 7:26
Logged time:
4:25
